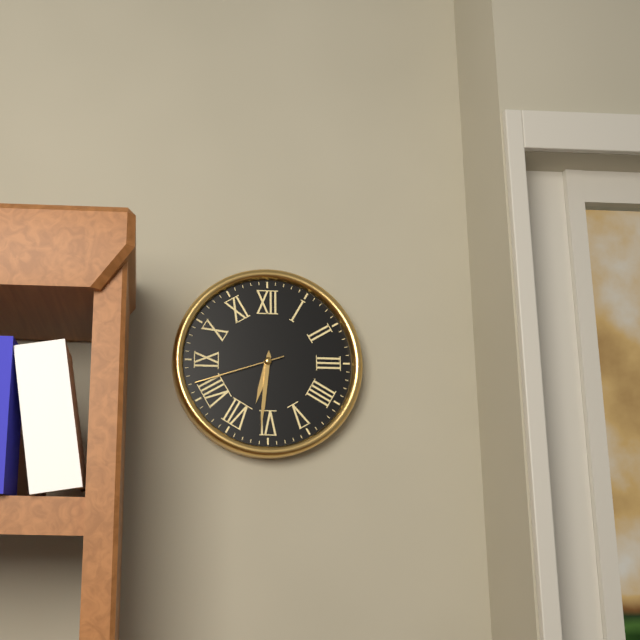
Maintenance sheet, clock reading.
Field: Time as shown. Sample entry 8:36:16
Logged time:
6:31:42
